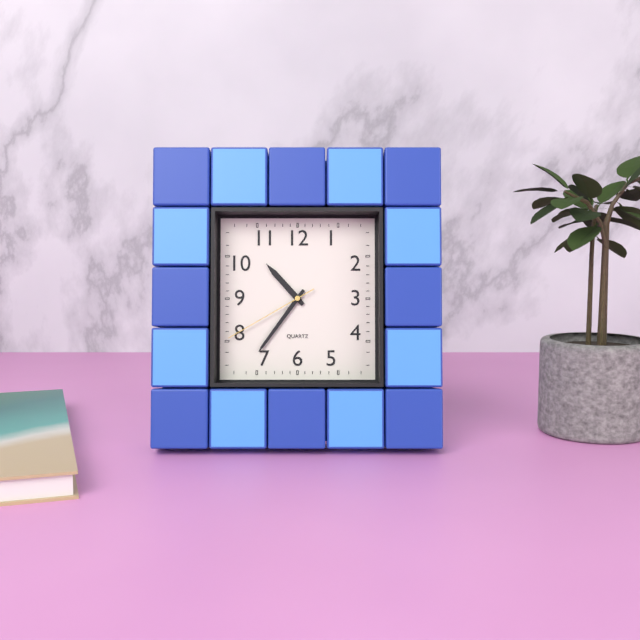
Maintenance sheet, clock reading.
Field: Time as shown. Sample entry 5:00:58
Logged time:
10:36:40
